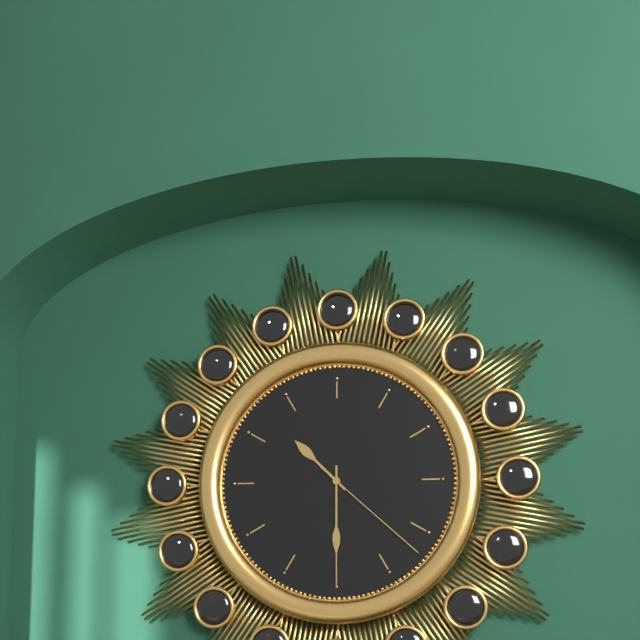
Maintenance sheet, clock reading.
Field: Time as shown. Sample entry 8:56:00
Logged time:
10:30:22
